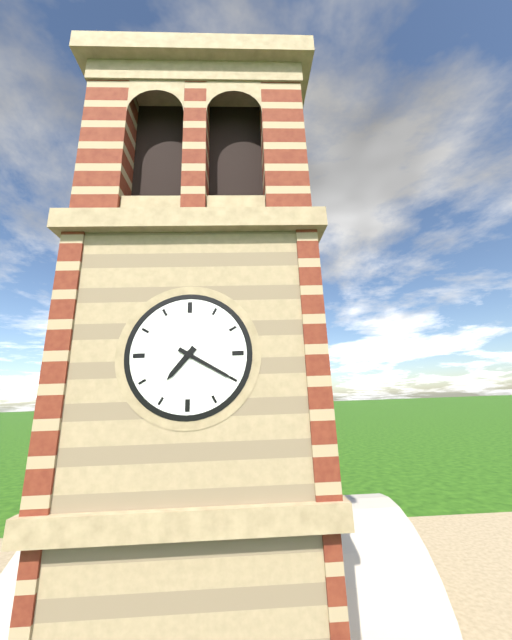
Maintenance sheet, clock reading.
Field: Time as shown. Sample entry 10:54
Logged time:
7:20
